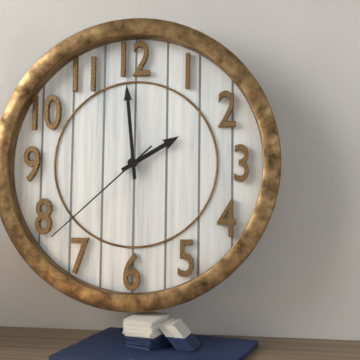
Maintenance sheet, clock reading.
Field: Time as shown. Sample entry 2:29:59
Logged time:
1:59:38
